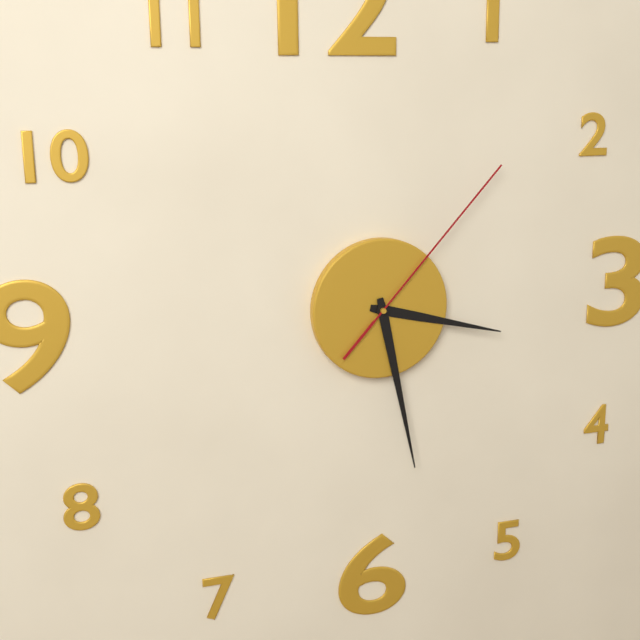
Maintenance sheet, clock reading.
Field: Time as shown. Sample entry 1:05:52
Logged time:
3:28:07
